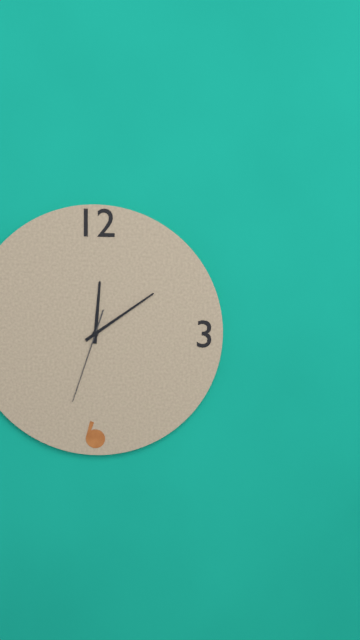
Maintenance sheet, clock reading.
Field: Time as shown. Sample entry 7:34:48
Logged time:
12:09:33
